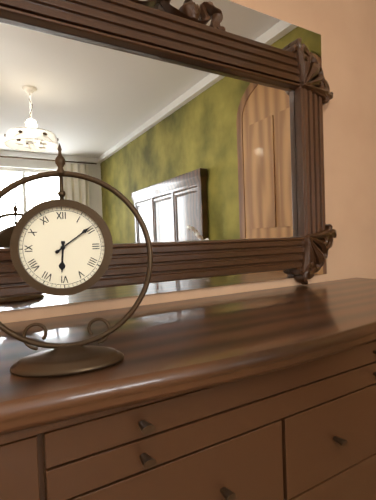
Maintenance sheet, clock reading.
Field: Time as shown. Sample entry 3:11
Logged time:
6:09
